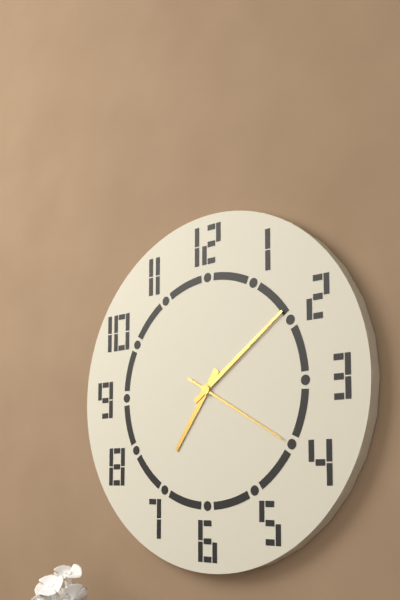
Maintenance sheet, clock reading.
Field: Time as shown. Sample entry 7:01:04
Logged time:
7:09:20
